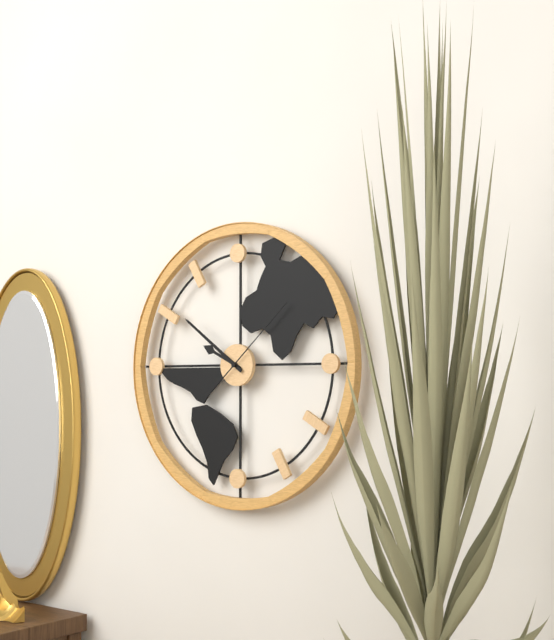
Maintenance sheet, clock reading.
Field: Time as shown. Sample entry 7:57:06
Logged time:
9:51:08
